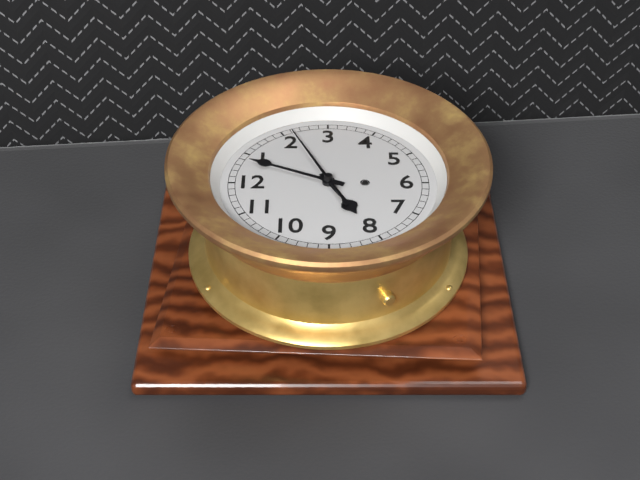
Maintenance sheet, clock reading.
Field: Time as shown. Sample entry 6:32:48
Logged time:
8:04:11
